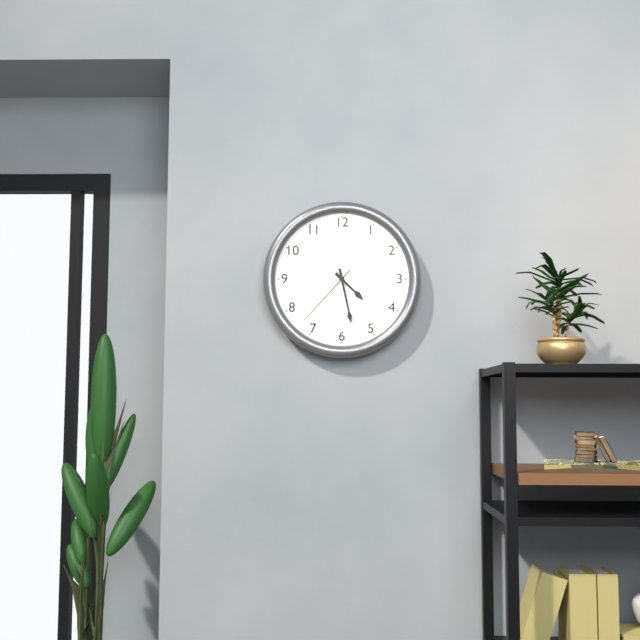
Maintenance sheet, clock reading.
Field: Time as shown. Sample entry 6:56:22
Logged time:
4:28:37
